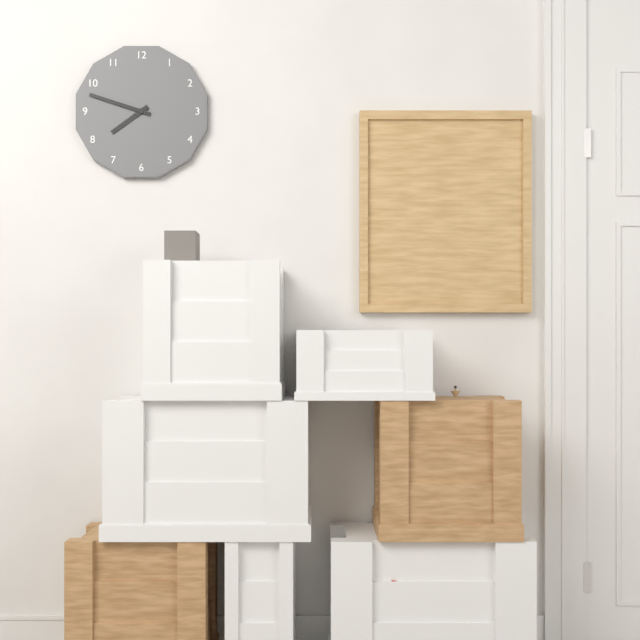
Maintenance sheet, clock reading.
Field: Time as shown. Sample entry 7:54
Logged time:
7:48
